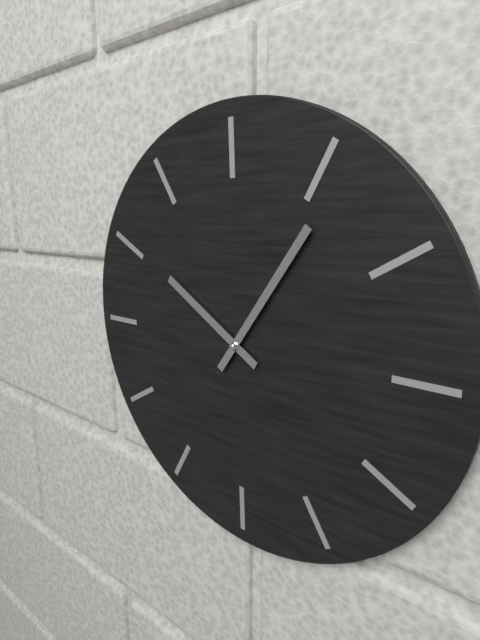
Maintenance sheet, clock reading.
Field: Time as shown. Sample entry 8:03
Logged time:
10:06
